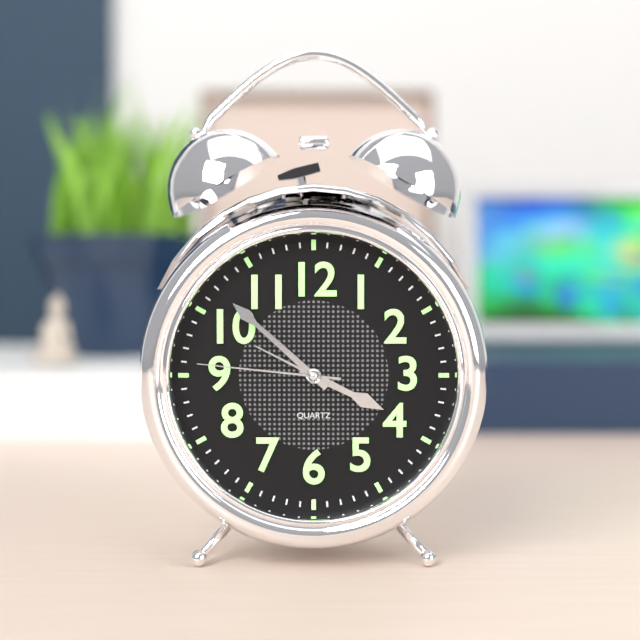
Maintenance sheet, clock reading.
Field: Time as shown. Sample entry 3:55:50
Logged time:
3:52:46
